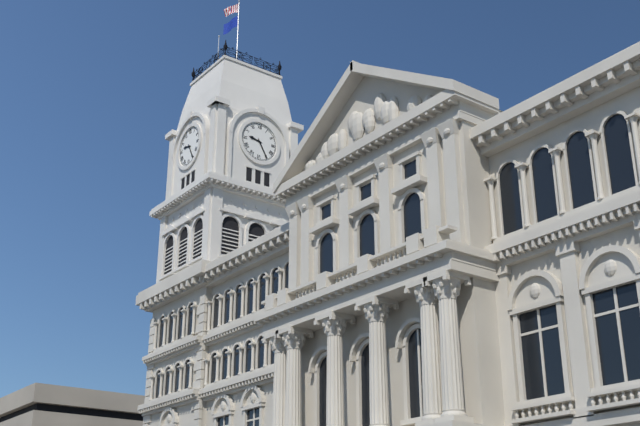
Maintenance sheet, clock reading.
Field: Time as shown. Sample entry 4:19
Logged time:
9:25
